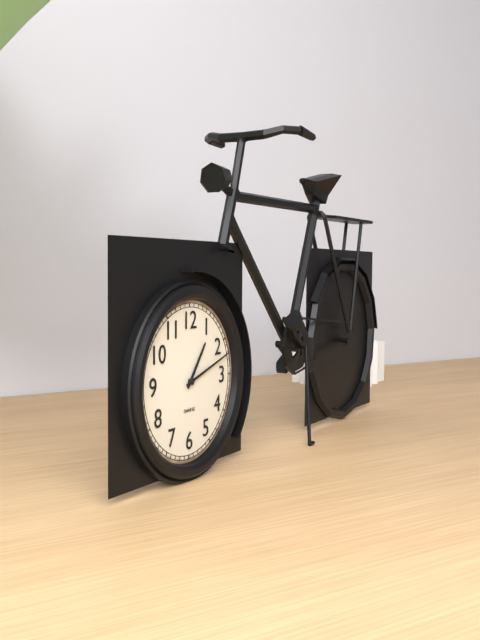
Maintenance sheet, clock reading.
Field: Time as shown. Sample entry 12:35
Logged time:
1:12
